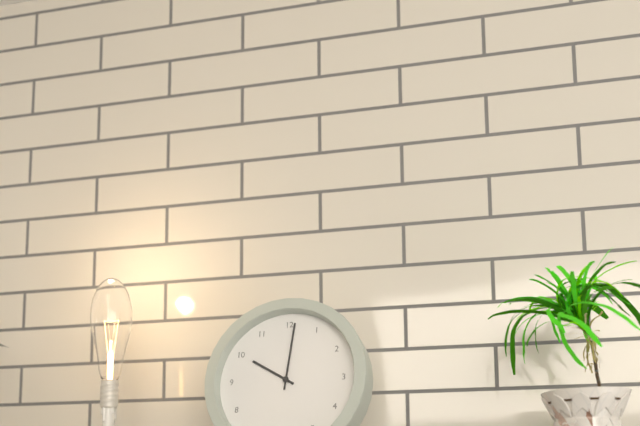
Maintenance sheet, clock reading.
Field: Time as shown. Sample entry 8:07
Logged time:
10:01
